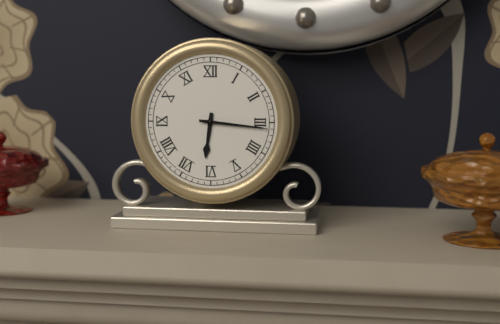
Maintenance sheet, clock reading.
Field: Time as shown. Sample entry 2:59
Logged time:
6:16
